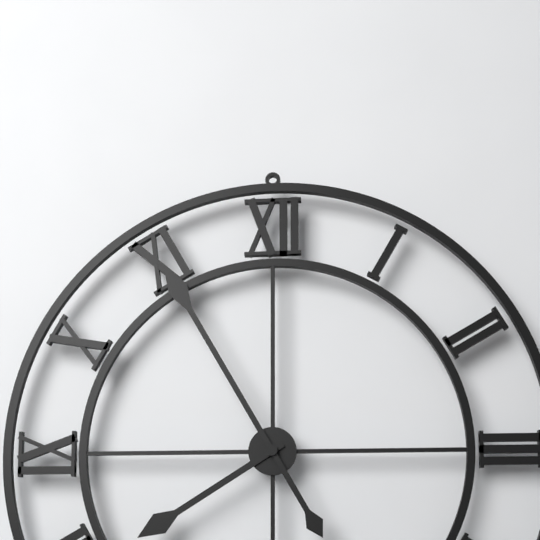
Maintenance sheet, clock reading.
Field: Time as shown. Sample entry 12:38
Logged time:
7:55
